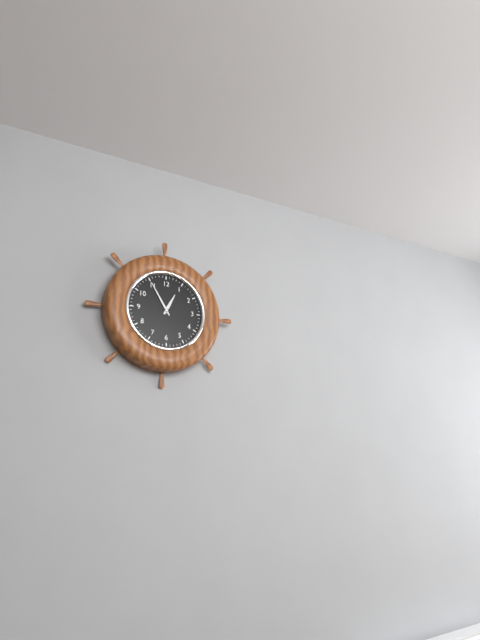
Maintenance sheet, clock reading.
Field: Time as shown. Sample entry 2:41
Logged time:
12:55
